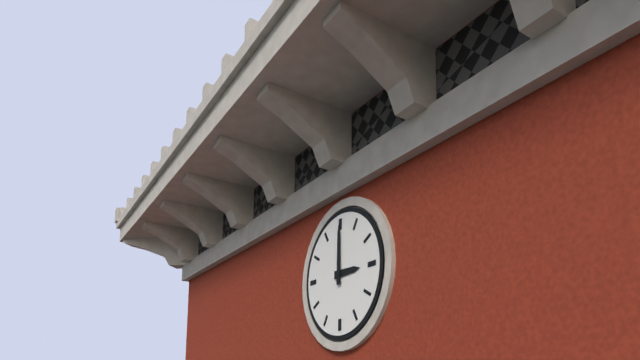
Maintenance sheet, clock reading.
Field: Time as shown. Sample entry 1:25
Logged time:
3:00
